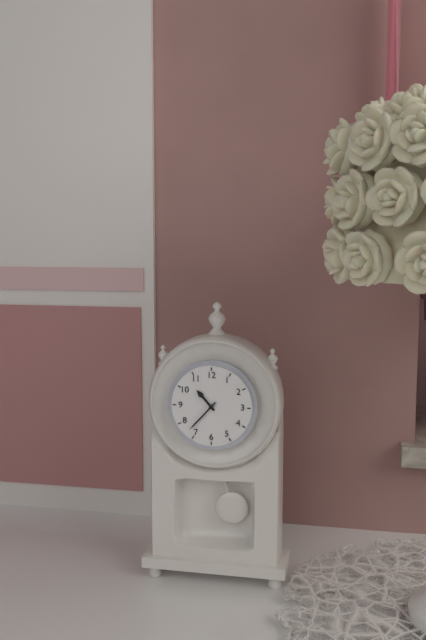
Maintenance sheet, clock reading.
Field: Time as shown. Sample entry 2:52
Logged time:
10:37
